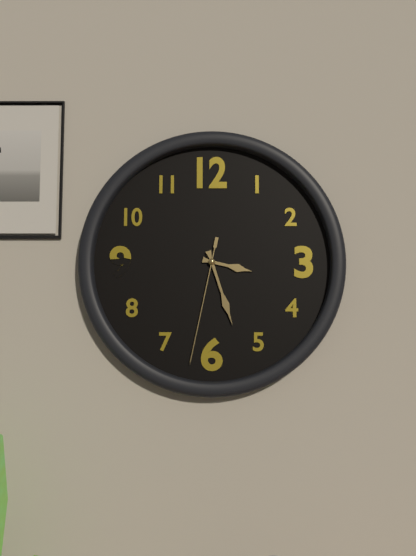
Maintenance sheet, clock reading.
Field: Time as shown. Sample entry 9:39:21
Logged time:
3:27:32
